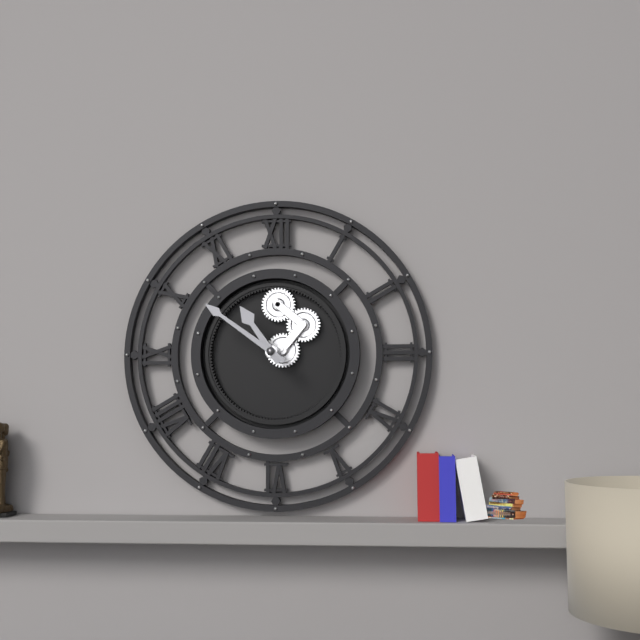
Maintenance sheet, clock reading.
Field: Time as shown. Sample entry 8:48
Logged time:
10:51
